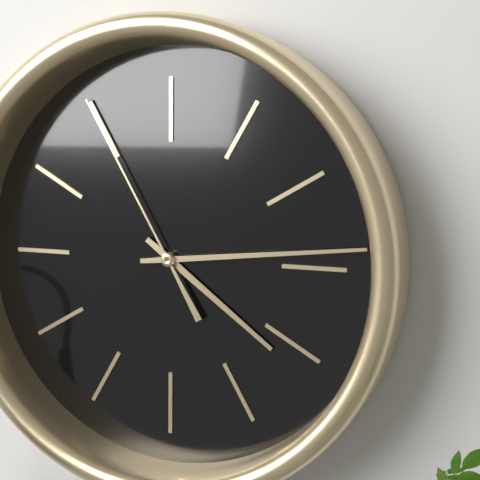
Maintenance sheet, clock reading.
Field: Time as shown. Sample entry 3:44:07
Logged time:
4:14:55
